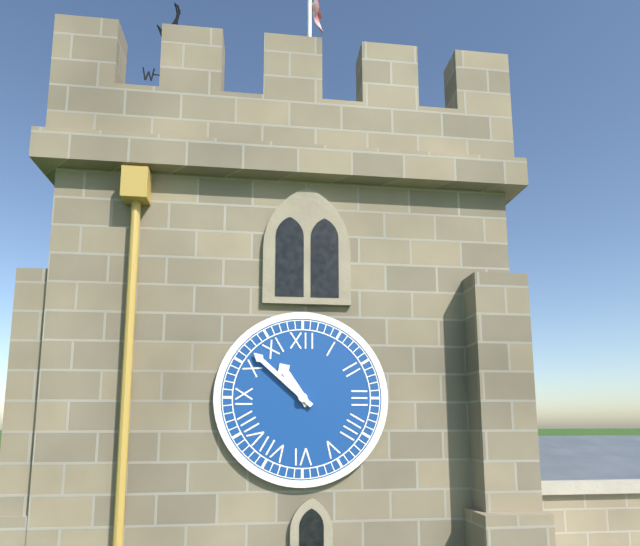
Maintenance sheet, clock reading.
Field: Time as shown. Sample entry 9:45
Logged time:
10:52
